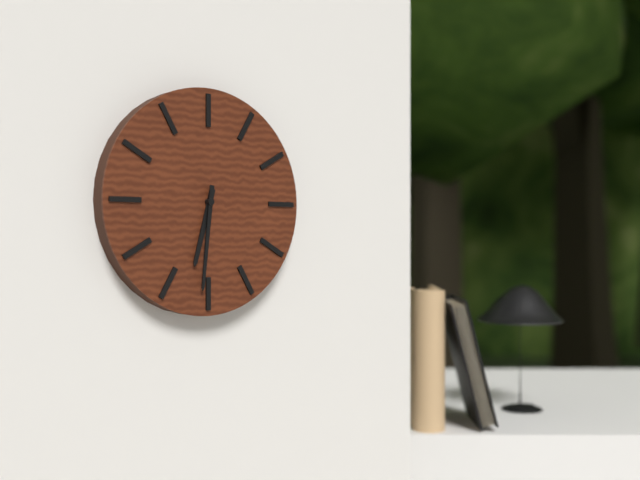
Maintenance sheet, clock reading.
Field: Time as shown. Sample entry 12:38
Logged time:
6:31
